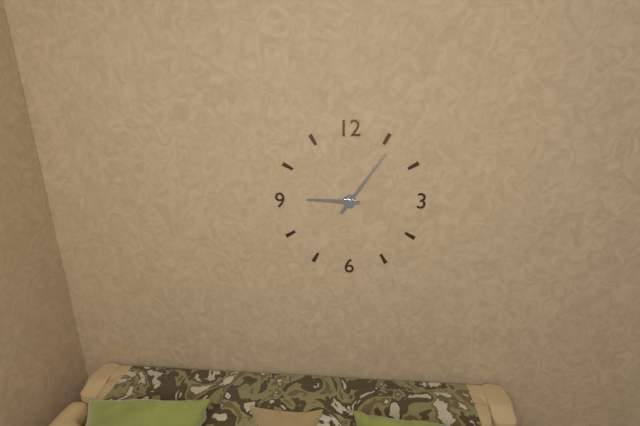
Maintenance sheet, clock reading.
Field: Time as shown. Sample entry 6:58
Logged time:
9:06
